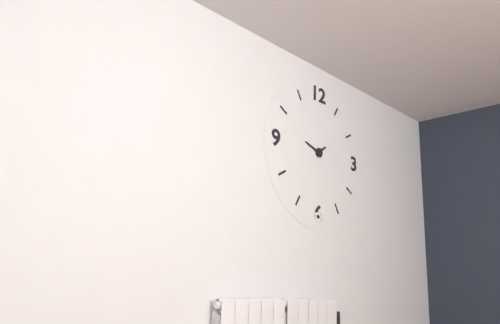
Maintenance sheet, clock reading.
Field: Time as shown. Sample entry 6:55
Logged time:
1:48
